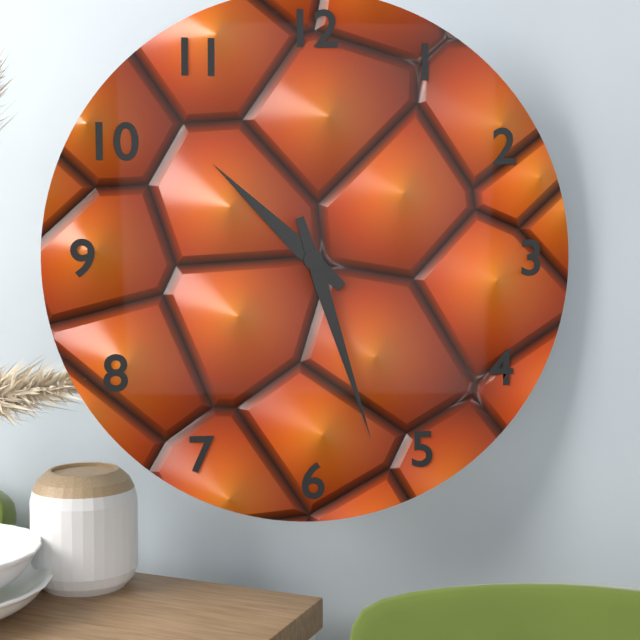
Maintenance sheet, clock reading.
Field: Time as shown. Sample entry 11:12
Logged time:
10:27
